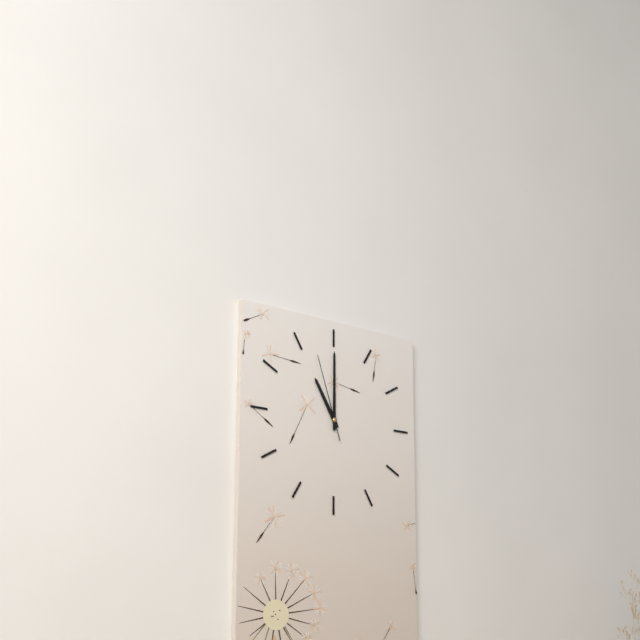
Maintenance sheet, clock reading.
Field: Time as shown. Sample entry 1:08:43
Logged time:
11:00:57
